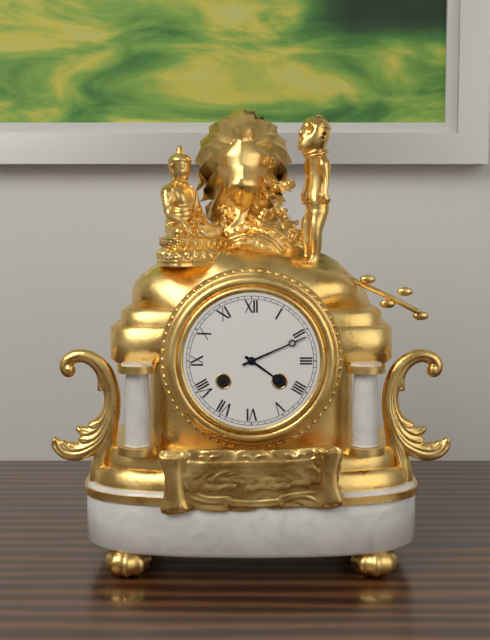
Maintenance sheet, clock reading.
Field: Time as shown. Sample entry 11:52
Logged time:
4:11
